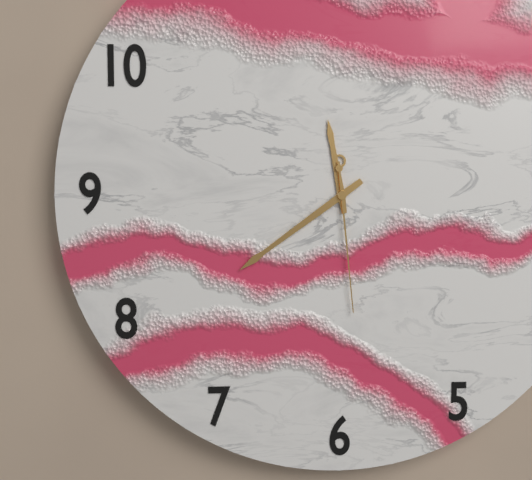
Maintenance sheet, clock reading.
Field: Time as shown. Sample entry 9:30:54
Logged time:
11:39:29
